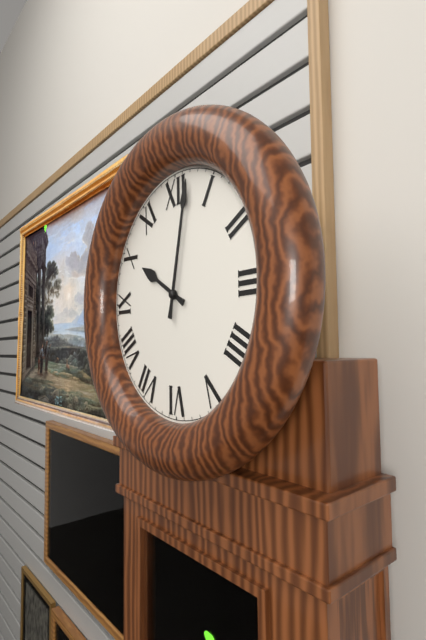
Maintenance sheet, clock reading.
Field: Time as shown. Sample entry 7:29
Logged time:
10:02
